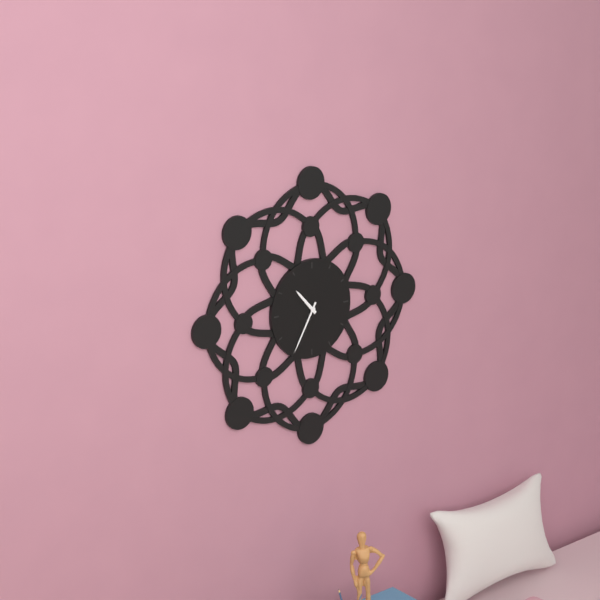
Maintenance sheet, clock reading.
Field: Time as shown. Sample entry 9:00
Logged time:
10:35
